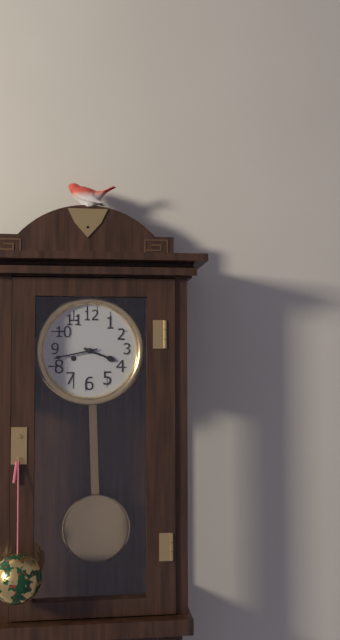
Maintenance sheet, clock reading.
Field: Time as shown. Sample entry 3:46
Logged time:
3:43
